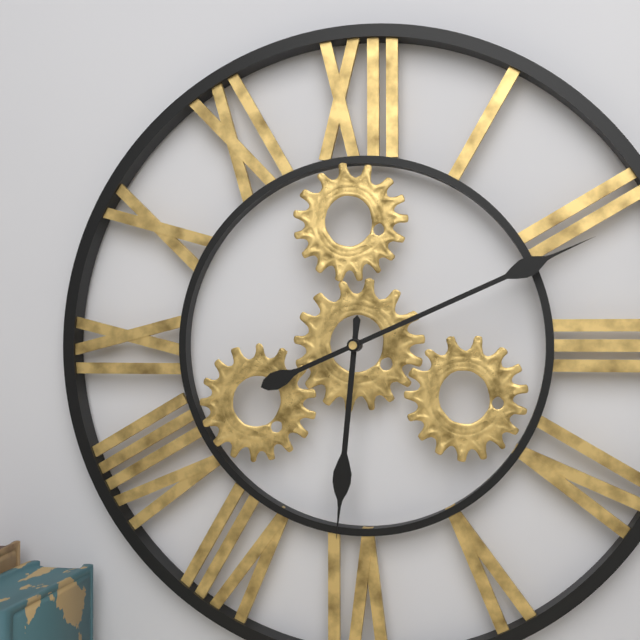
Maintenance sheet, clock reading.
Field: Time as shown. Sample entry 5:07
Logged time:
6:11
